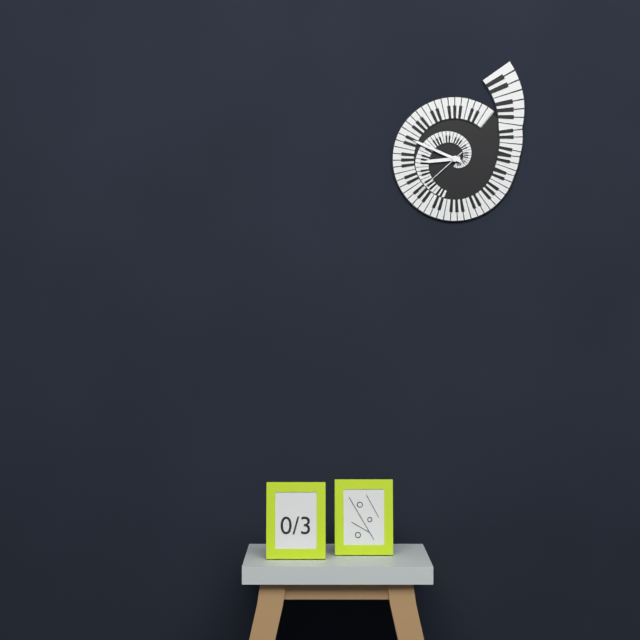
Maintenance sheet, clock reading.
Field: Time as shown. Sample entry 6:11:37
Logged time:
8:49:38
